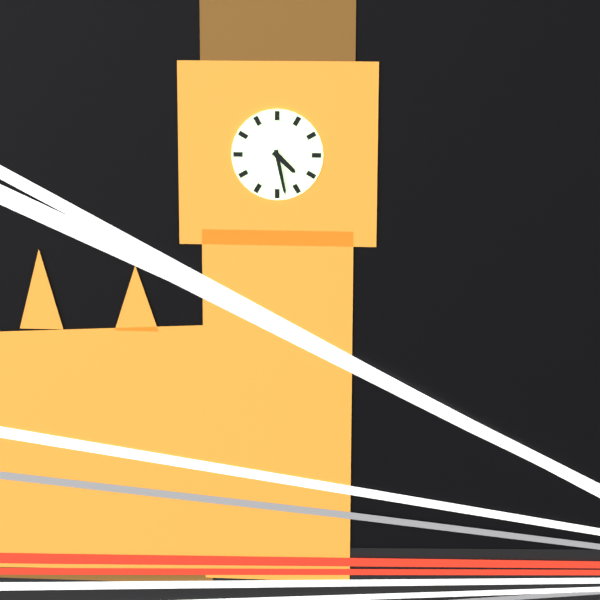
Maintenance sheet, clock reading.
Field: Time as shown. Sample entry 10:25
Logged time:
4:28
